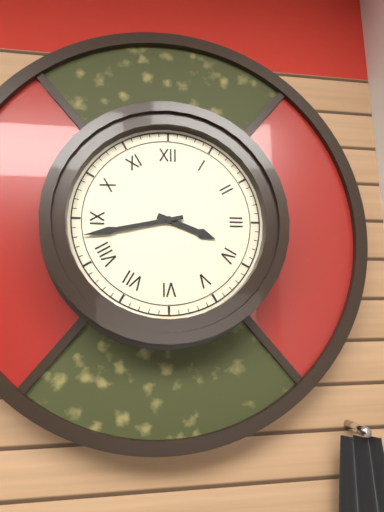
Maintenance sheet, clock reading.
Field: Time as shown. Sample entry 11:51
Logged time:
3:43
